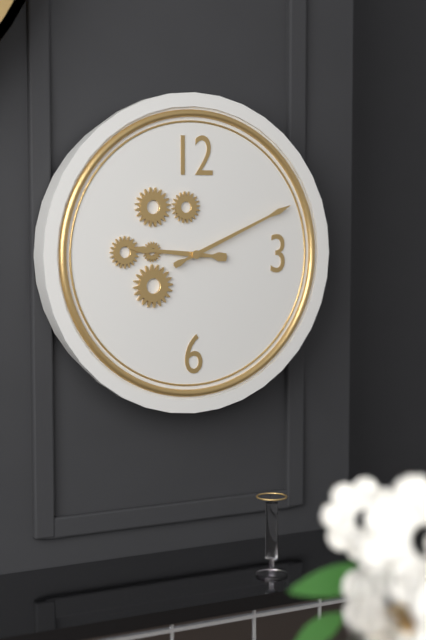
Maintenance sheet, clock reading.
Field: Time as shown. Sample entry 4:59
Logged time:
9:11
